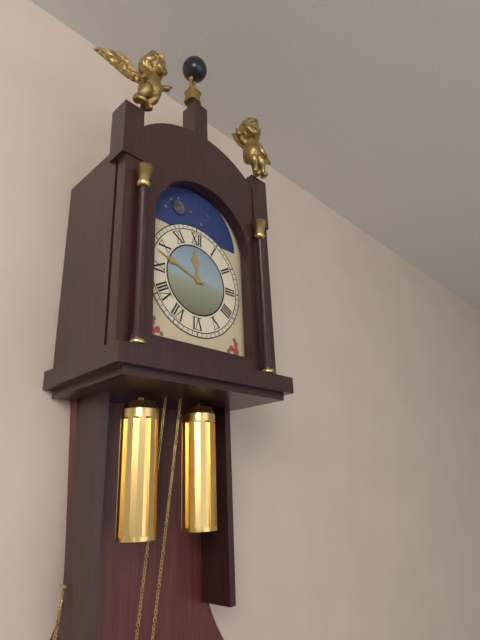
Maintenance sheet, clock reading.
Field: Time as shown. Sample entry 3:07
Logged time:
11:48
